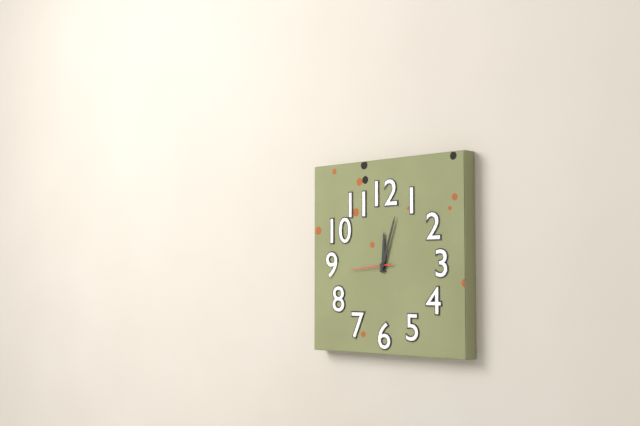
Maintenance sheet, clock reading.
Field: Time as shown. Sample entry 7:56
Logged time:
12:03
